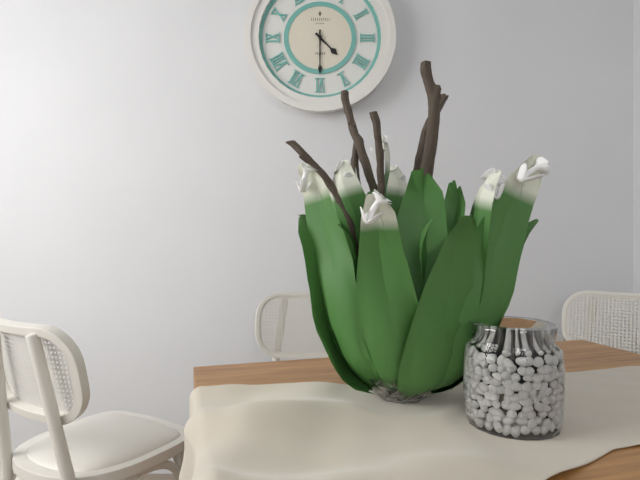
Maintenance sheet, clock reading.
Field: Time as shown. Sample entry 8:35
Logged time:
4:30
